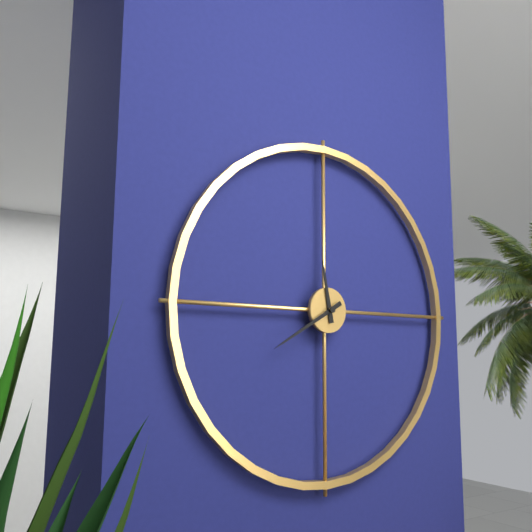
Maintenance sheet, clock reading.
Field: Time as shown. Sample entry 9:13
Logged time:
11:40
